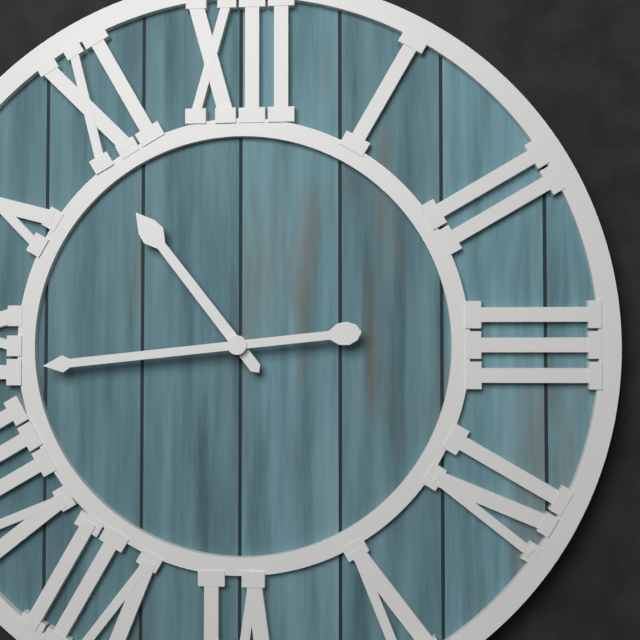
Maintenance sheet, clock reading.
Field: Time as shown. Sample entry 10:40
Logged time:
10:44
